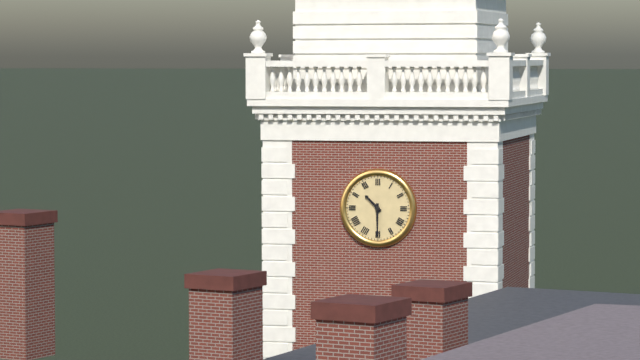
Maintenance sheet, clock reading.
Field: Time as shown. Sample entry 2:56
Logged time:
10:30
